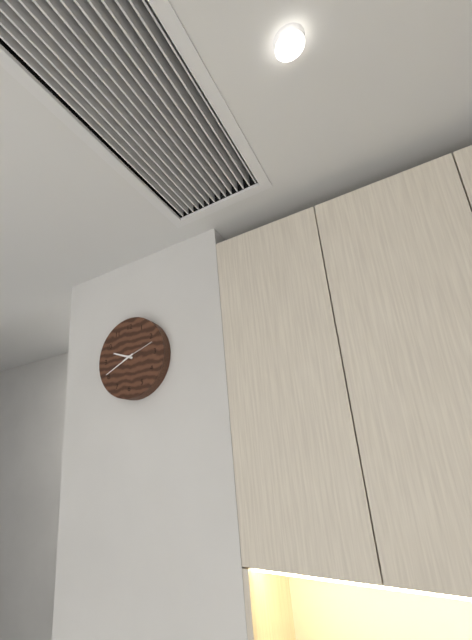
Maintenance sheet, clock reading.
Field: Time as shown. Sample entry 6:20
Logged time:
9:41
